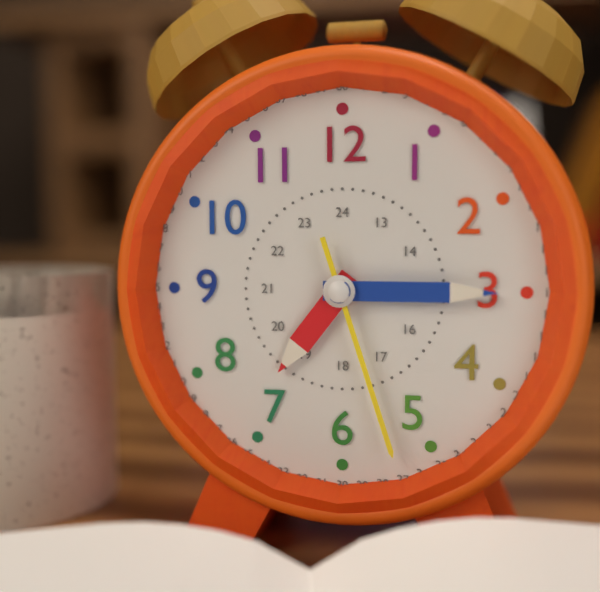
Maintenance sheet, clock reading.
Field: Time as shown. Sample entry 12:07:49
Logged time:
7:15:27
